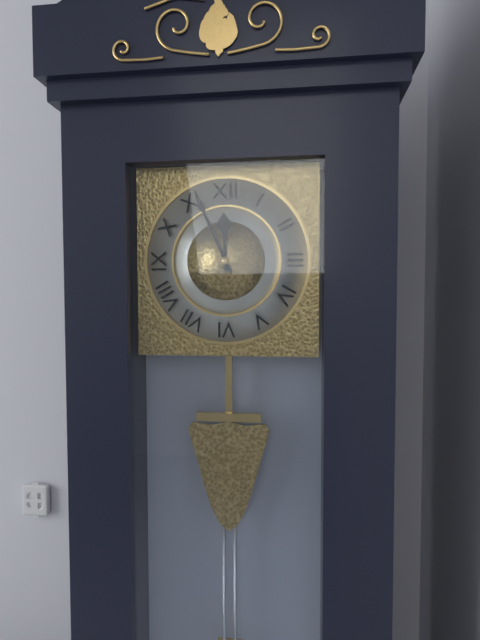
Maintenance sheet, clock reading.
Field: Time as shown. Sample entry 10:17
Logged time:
11:56
